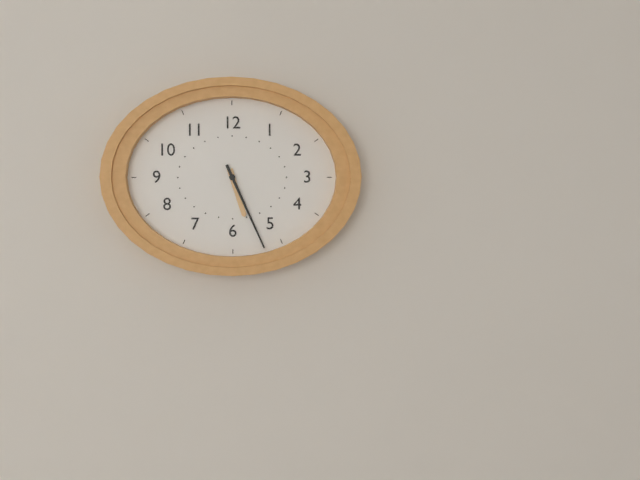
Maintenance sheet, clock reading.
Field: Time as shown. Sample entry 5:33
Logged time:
5:26
